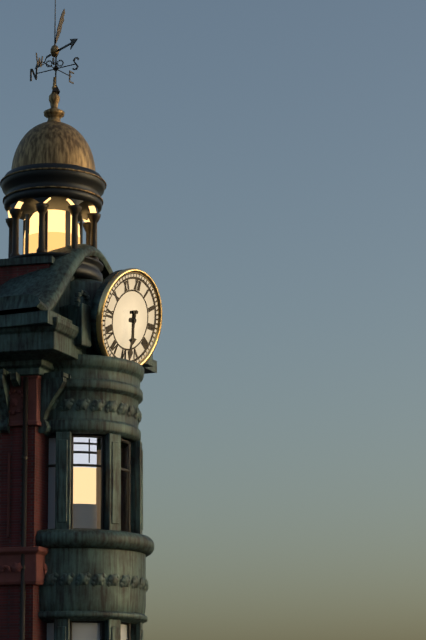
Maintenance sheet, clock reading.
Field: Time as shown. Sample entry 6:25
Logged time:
5:29
